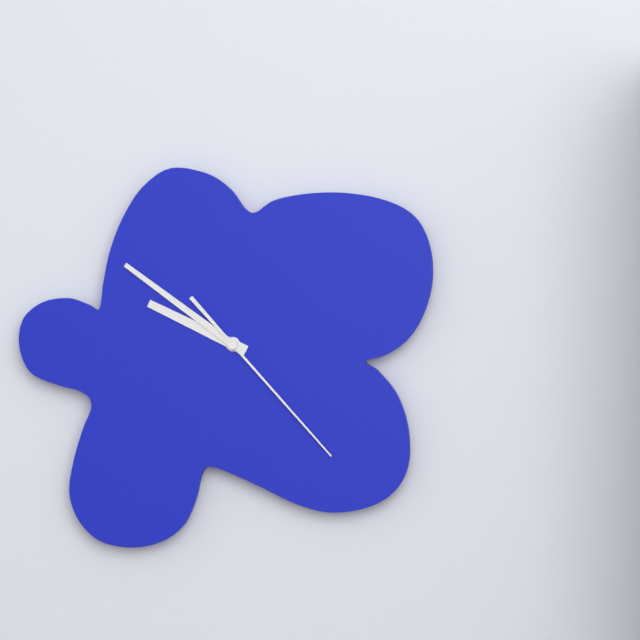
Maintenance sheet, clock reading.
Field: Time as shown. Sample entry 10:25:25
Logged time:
9:51:23
